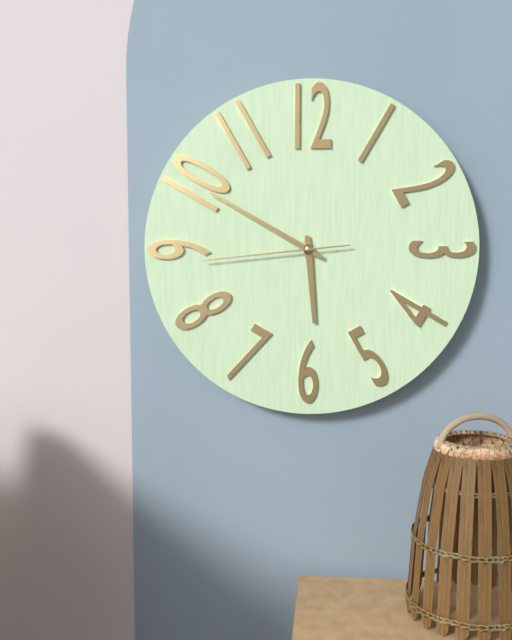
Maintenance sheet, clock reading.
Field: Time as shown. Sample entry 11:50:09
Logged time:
5:50:44
